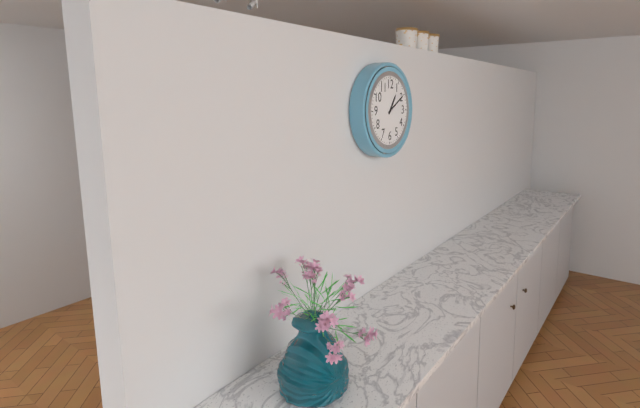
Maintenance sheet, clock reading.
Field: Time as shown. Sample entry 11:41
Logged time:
1:10
